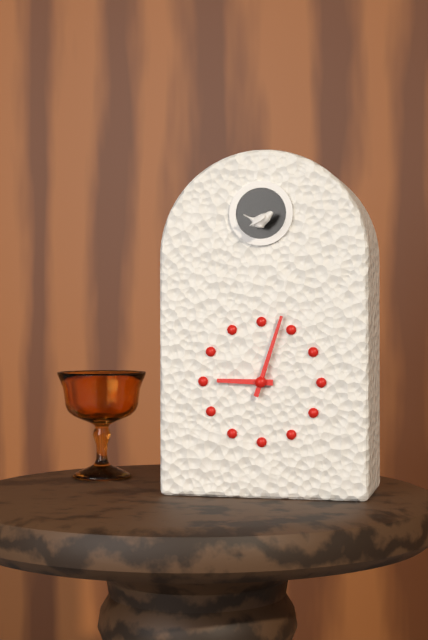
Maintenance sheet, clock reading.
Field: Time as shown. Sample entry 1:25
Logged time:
9:03
